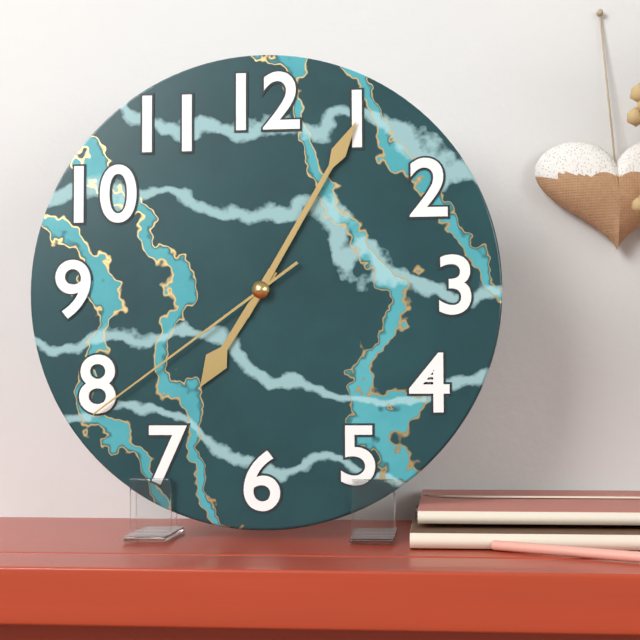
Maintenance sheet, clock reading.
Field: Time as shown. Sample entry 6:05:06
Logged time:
7:05:39
